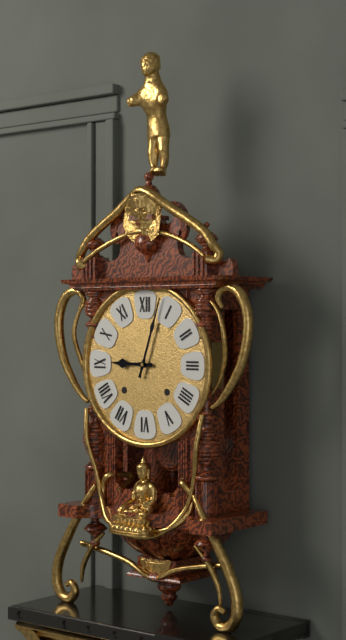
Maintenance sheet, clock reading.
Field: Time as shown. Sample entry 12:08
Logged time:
9:03
